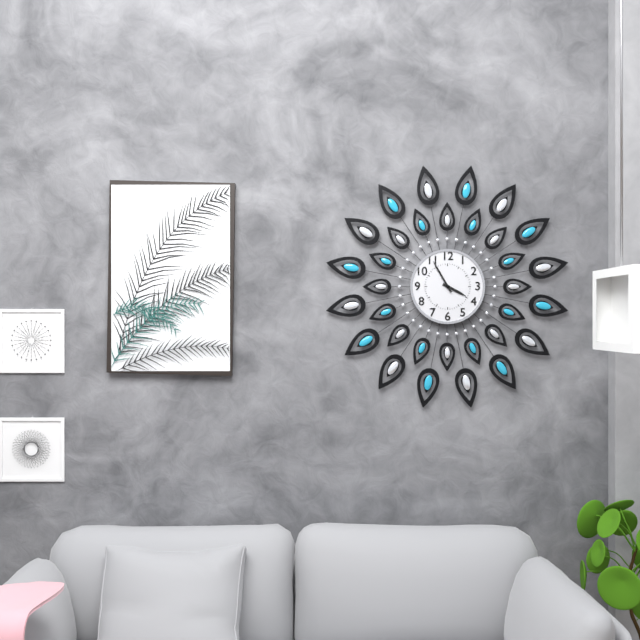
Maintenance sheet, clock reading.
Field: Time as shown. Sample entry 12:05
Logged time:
3:55
